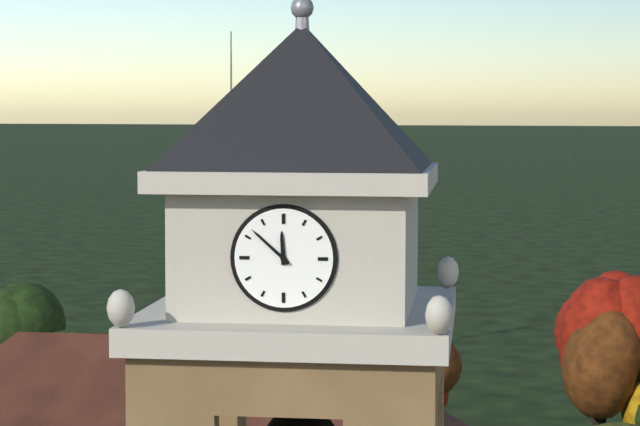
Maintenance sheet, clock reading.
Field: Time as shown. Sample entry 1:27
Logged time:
11:52
